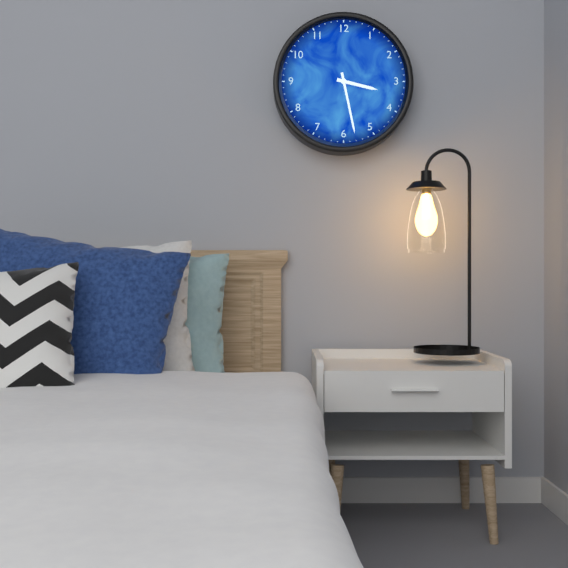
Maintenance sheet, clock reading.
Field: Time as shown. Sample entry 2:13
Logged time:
3:28
